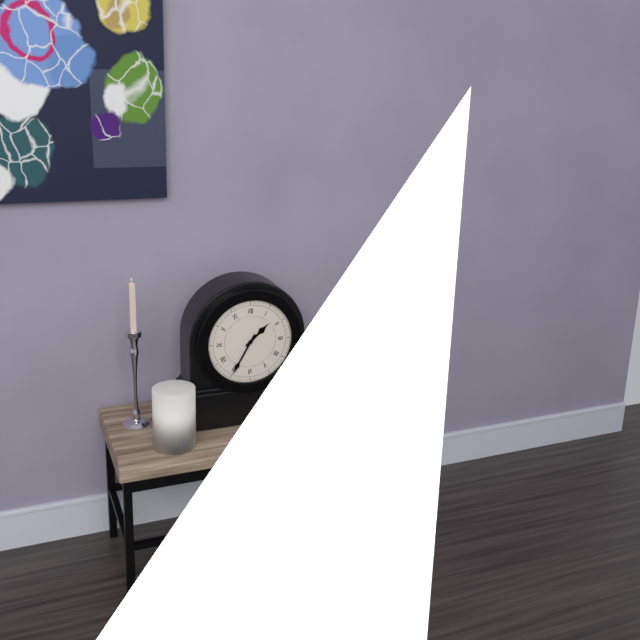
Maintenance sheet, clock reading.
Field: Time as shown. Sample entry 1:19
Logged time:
1:35
